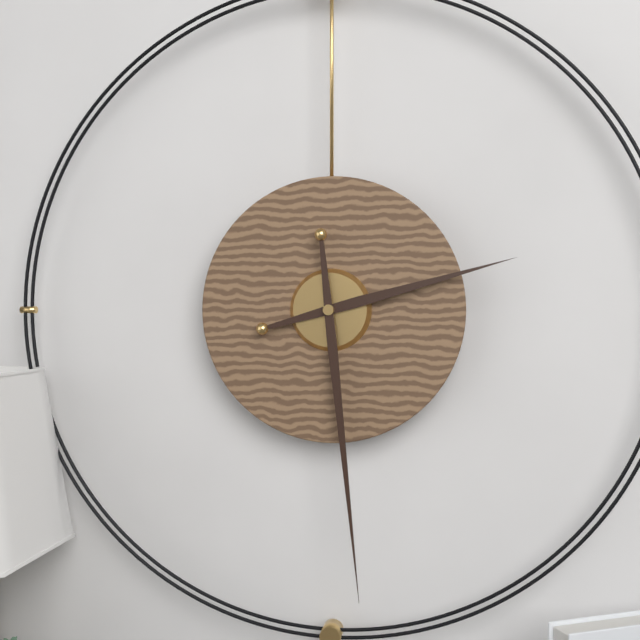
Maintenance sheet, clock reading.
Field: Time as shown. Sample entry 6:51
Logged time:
2:29
